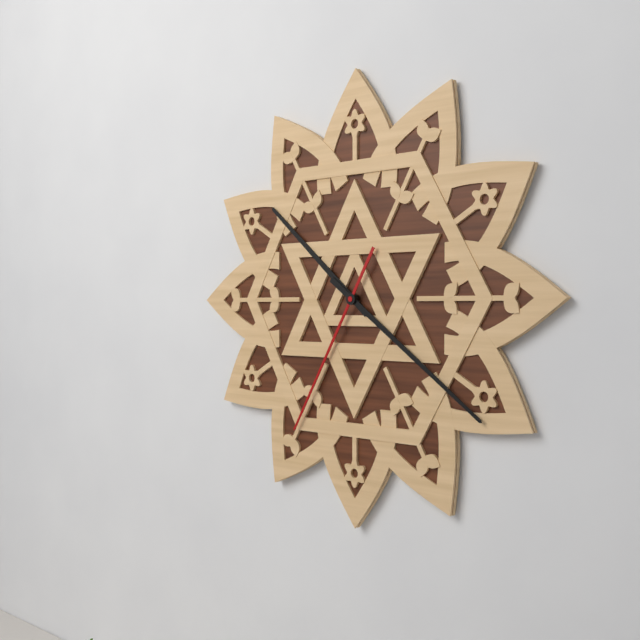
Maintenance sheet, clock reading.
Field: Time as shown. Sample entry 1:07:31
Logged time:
10:21:35
